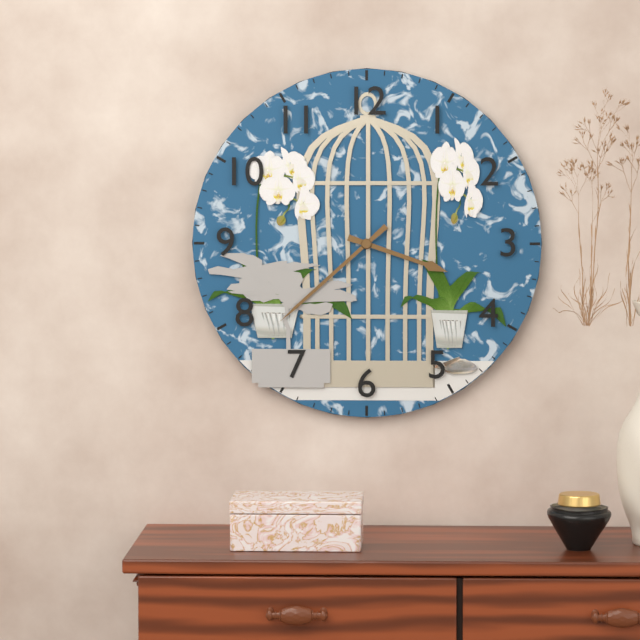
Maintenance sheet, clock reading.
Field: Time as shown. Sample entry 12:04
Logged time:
3:38
